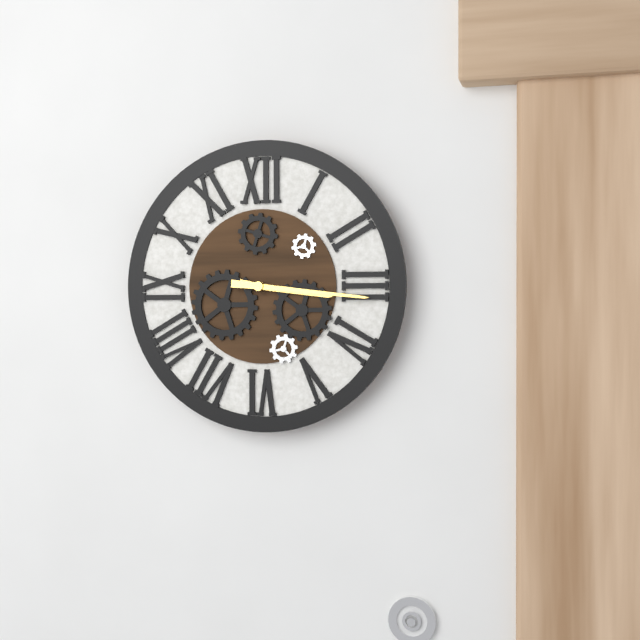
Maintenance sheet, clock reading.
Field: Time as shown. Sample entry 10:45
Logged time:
3:16
